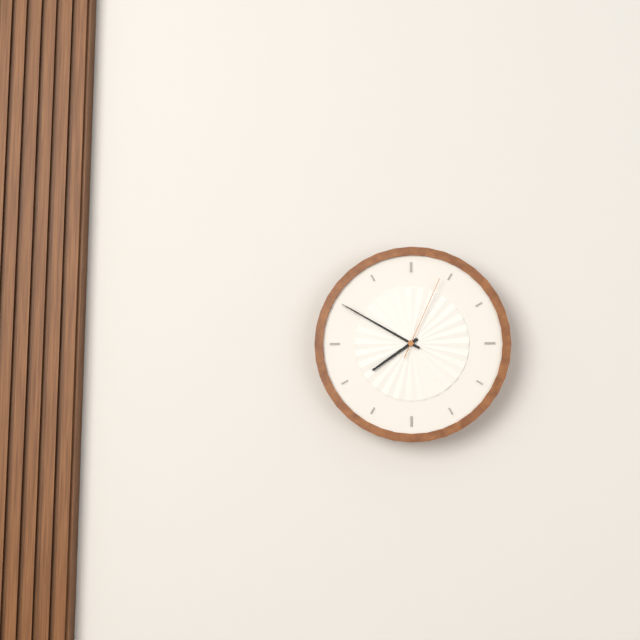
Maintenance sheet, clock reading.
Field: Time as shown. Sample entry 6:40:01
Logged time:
7:50:04
